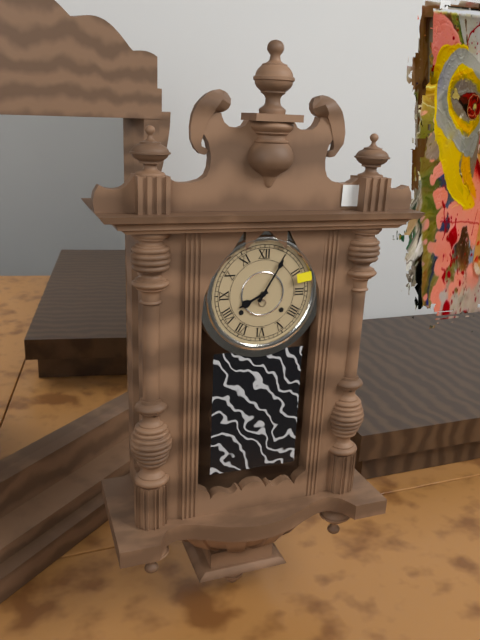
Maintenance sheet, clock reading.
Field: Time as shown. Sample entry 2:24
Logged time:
8:05
